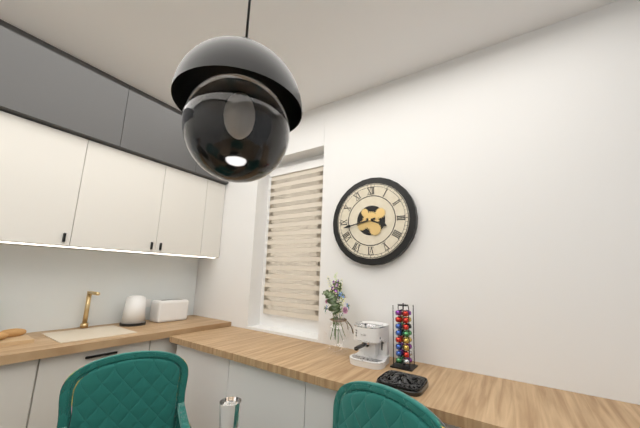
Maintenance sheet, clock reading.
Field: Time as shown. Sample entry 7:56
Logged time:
3:43
